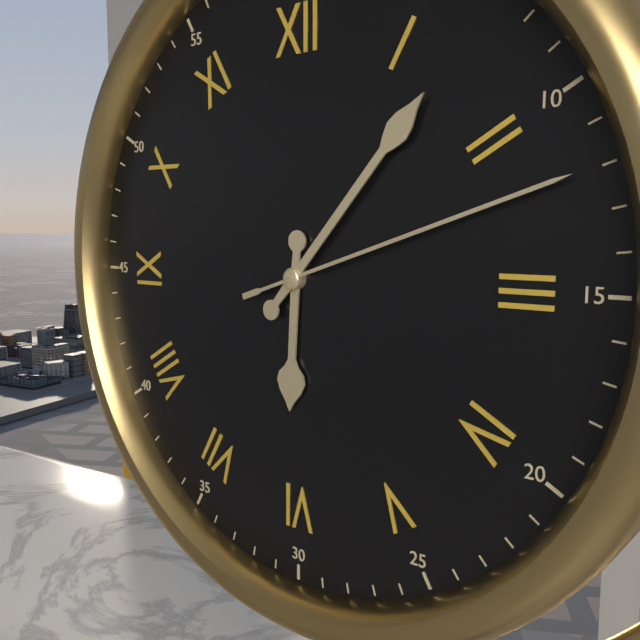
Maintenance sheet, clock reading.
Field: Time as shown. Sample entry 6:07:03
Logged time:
6:07:12
